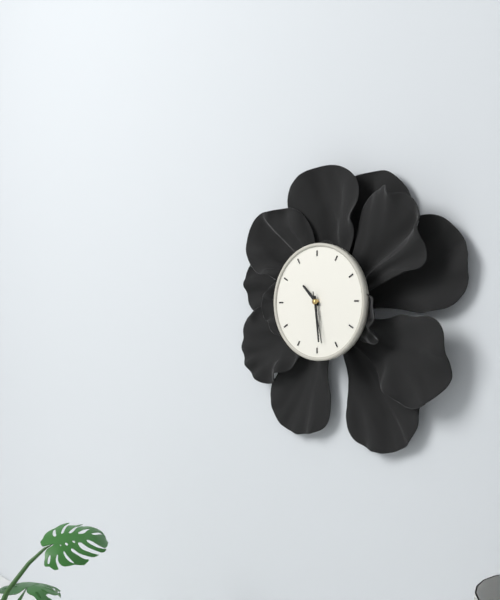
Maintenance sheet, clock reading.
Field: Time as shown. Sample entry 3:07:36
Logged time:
10:29:28
